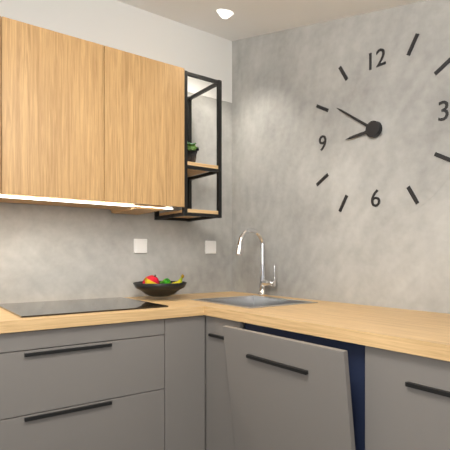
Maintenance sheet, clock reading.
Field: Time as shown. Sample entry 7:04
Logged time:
8:51
